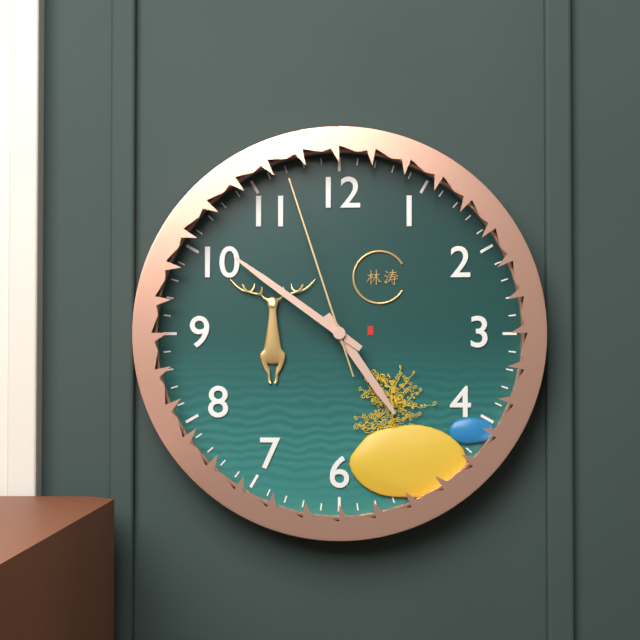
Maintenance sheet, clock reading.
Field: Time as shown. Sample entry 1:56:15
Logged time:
4:51:57
